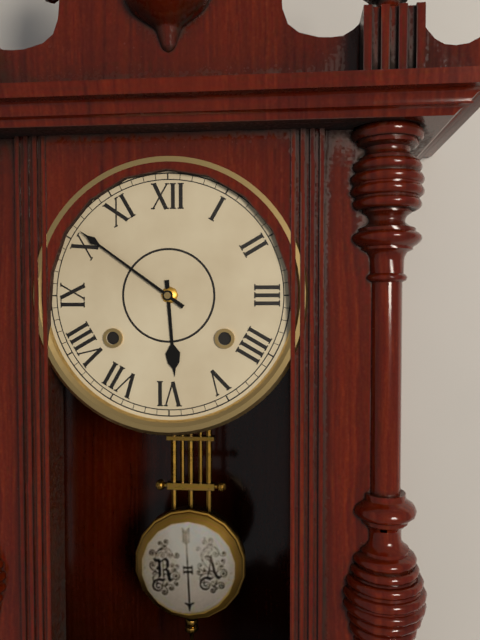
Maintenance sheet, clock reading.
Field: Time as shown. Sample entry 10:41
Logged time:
5:51
